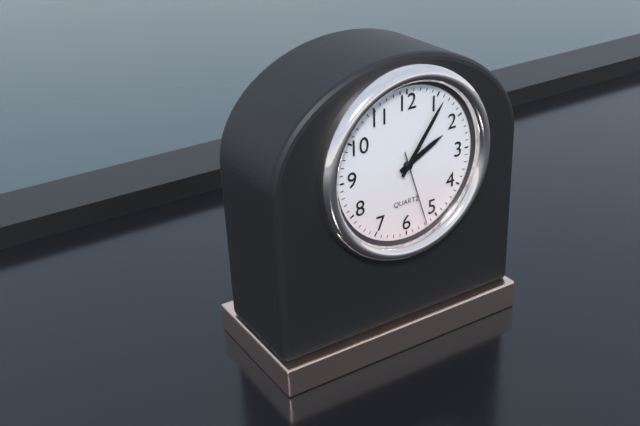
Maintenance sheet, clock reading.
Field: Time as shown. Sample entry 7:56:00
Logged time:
2:06:27
